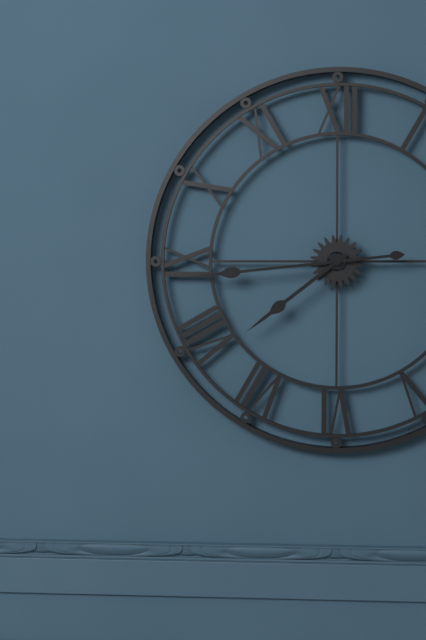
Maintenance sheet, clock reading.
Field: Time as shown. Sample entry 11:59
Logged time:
7:44
